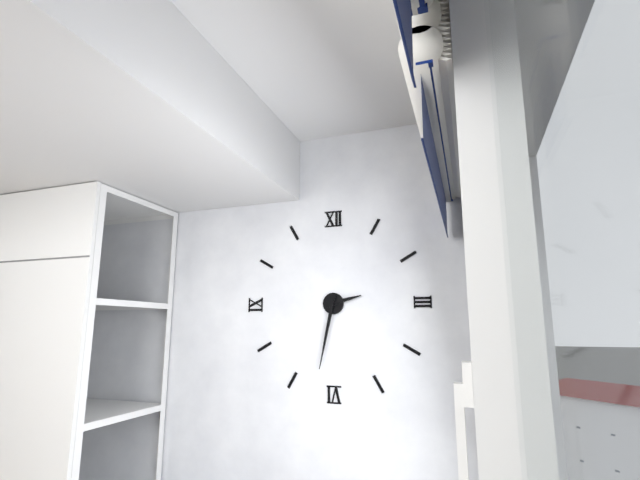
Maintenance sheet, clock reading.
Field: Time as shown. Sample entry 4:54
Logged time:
2:32
